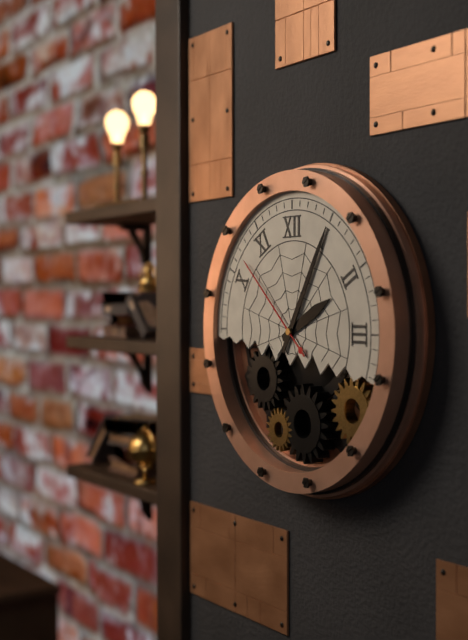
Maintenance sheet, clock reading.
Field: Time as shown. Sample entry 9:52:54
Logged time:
2:05:52
